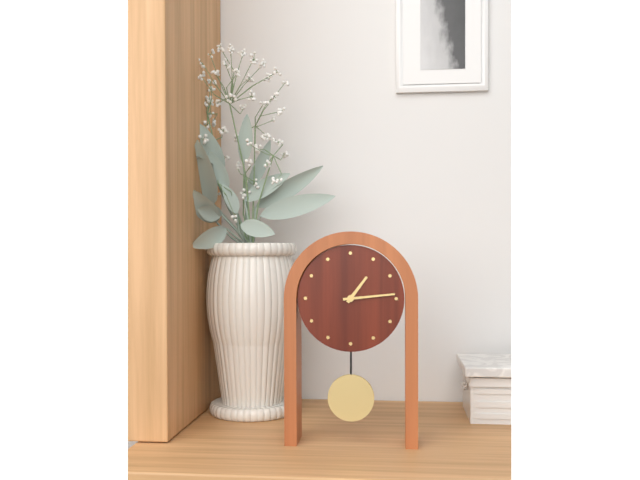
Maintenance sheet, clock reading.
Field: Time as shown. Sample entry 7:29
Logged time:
1:14
